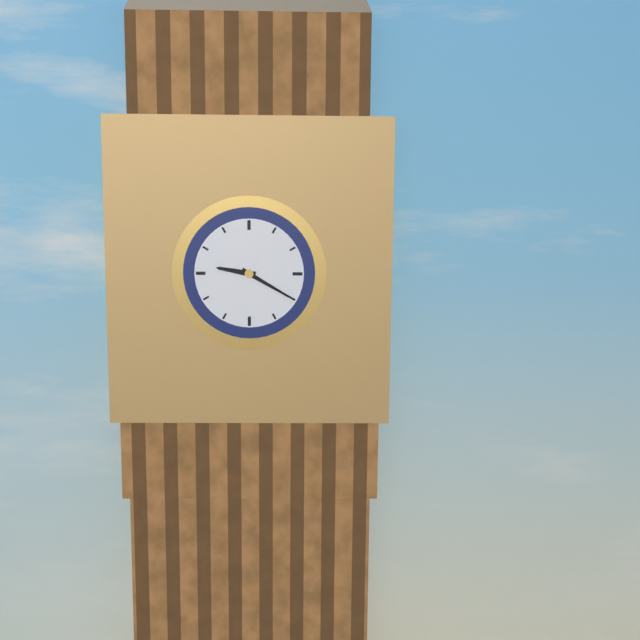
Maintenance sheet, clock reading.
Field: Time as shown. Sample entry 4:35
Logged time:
9:20
